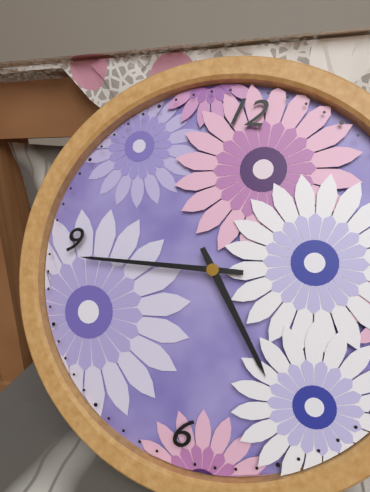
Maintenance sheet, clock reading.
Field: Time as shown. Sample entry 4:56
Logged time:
4:44
